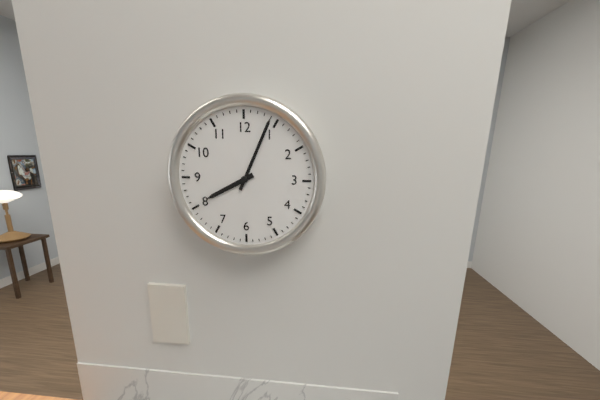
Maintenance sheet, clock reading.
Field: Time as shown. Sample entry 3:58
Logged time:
8:04
